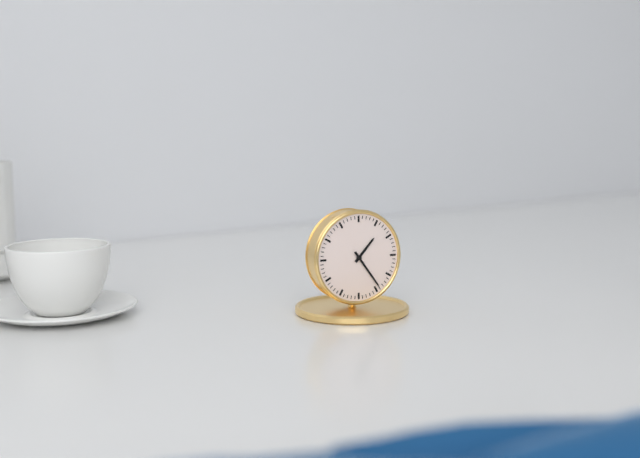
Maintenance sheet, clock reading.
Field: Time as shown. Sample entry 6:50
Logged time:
1:24
